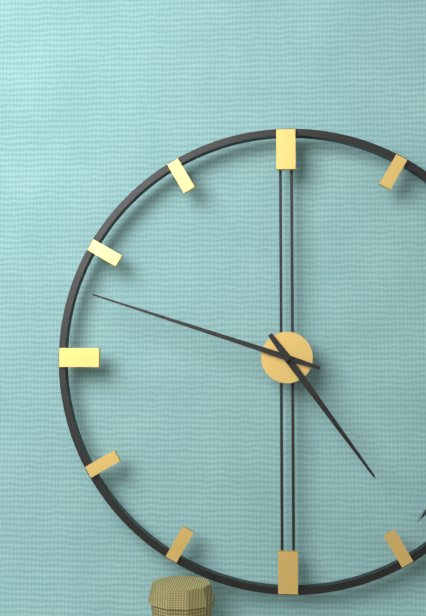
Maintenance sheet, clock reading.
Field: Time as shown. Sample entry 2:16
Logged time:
4:48
